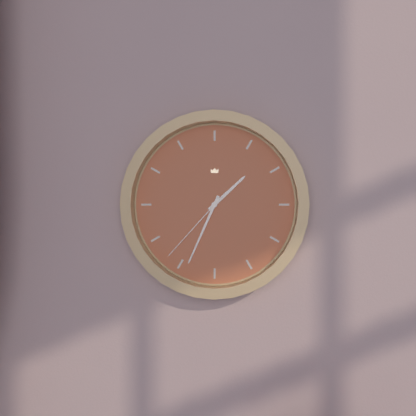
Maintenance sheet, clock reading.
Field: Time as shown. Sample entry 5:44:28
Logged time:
1:34:37
